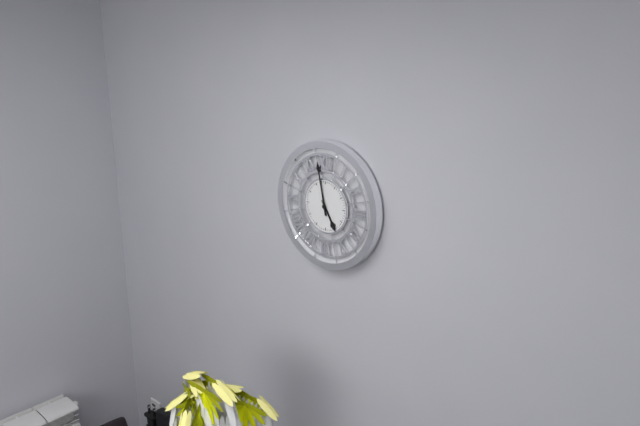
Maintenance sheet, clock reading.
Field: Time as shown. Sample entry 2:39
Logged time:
4:58
